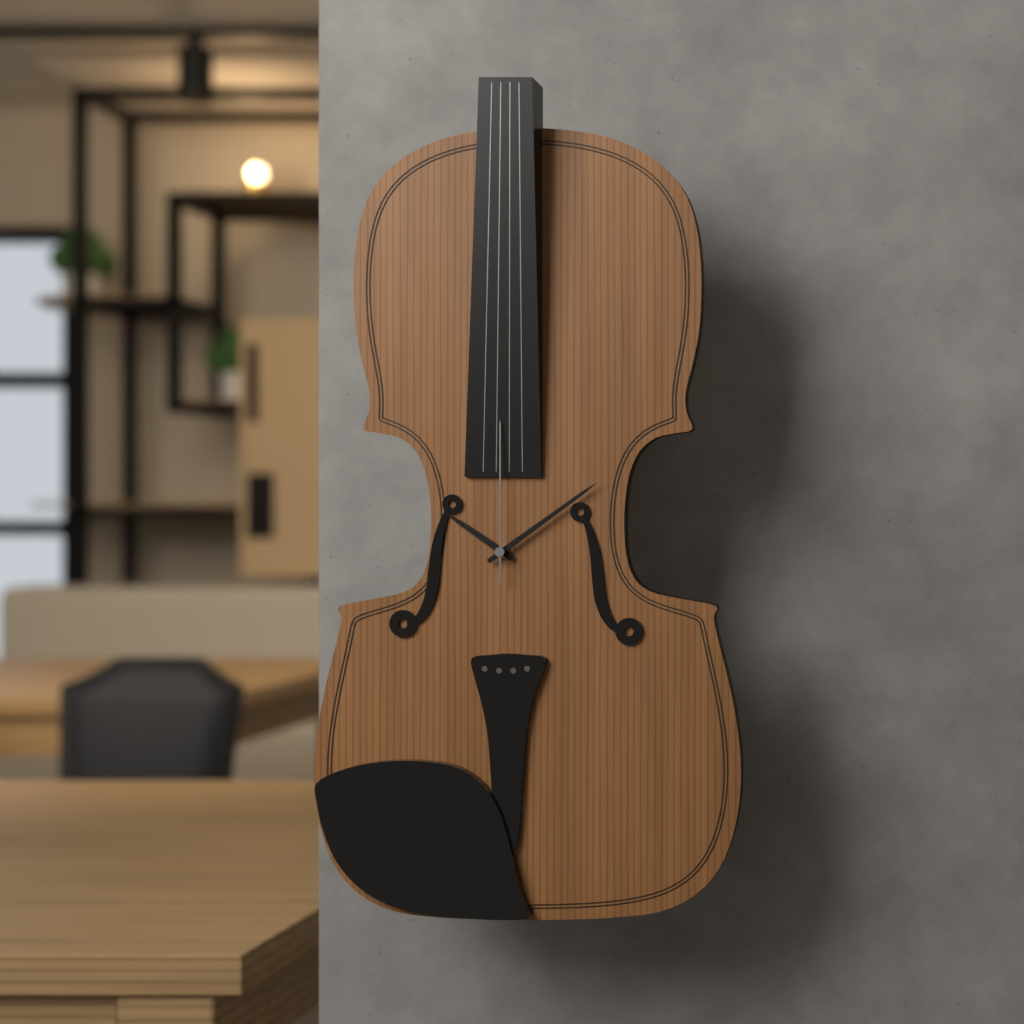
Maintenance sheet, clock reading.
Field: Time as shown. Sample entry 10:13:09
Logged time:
10:09:00
